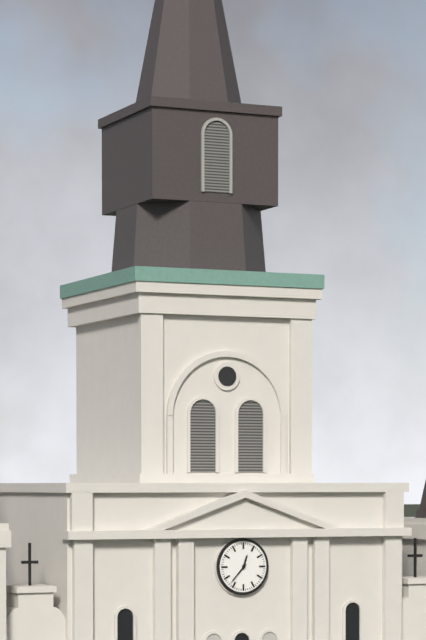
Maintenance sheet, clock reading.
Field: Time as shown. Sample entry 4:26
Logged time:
12:37
